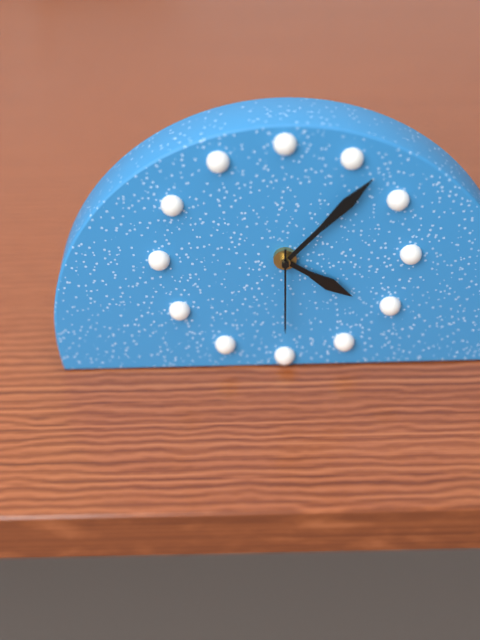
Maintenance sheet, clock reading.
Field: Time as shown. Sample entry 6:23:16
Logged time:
4:07:30
